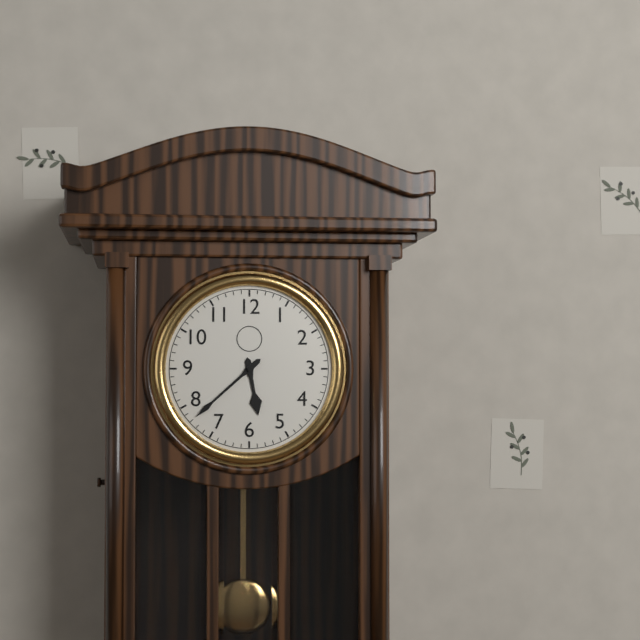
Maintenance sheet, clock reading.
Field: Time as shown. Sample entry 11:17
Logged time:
5:38
